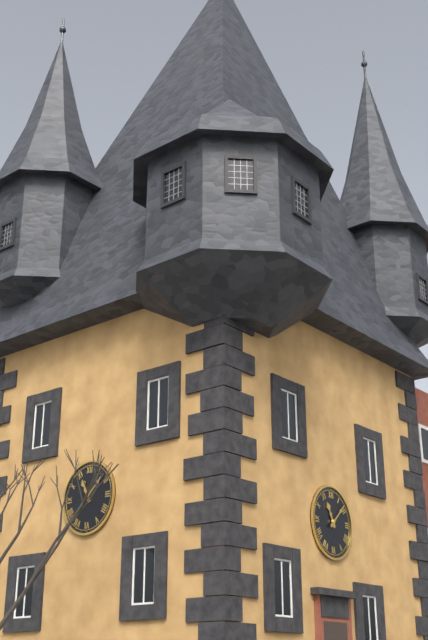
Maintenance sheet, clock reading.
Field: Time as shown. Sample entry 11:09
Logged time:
11:08
